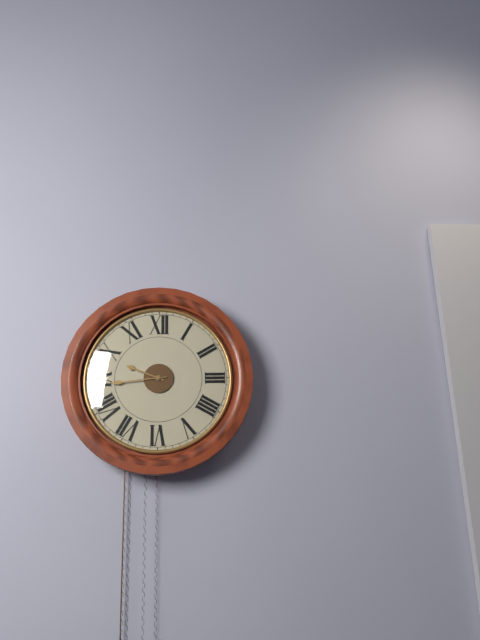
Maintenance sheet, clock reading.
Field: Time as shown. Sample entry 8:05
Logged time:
9:44
